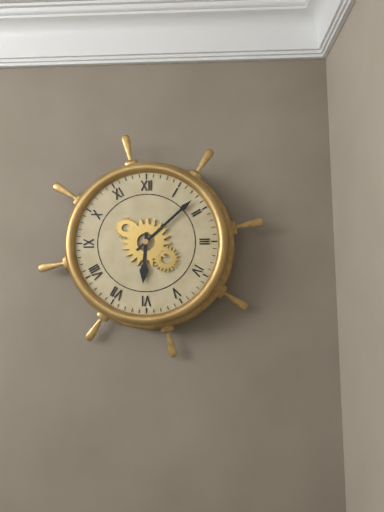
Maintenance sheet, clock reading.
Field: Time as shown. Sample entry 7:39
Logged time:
6:08
